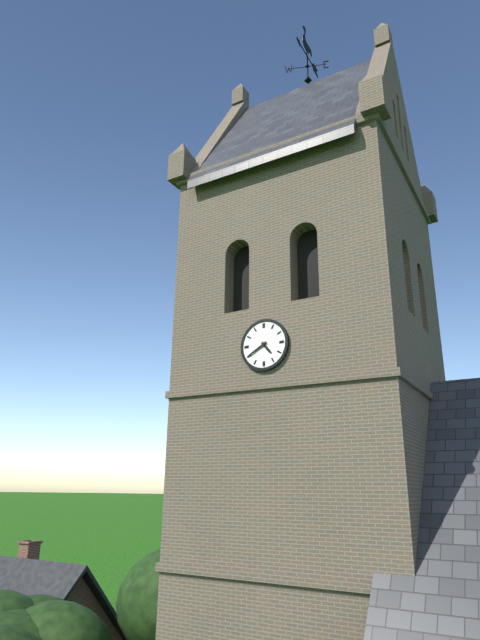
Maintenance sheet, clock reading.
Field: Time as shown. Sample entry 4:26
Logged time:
4:40
